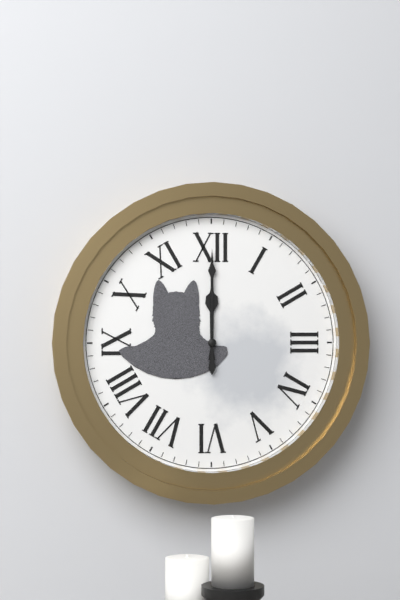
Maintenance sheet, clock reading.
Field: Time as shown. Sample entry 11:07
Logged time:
12:00
